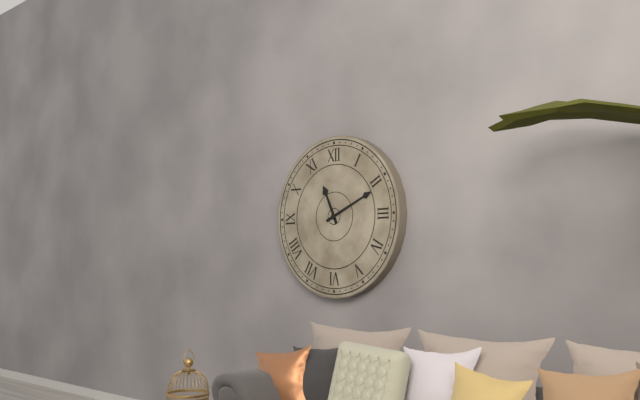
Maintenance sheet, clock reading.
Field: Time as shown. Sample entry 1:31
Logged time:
11:11
